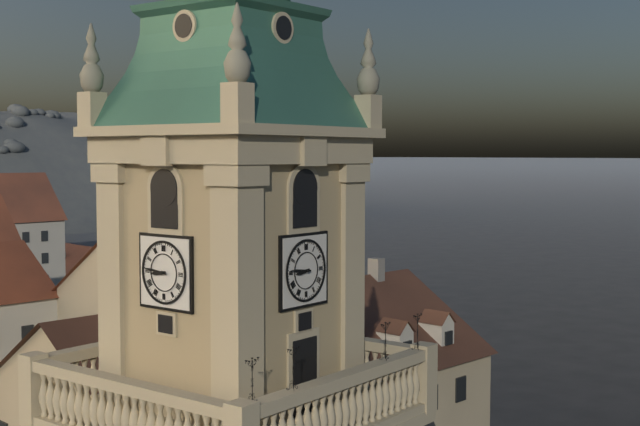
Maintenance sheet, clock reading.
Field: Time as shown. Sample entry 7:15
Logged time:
8:46
